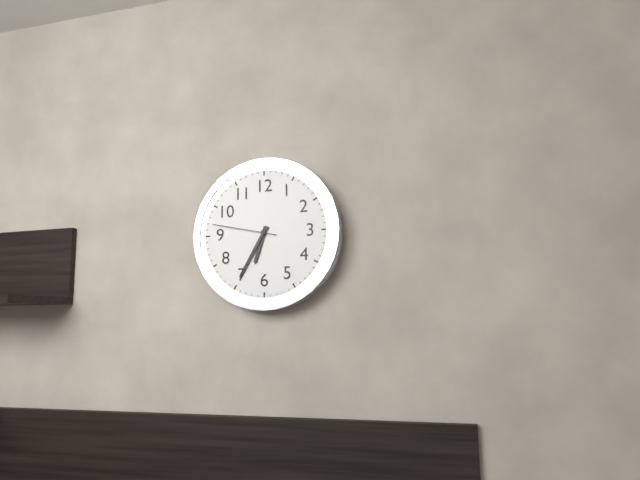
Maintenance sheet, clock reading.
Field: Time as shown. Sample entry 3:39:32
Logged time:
6:35:47
